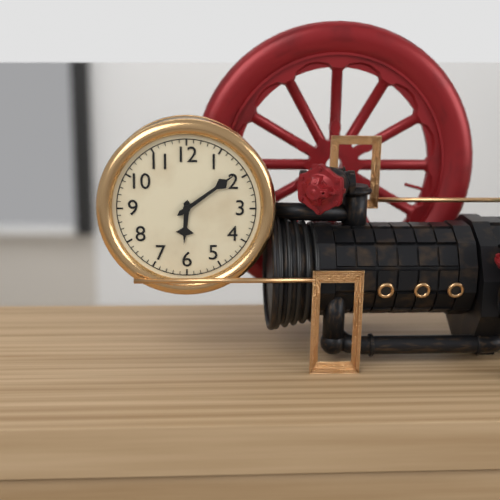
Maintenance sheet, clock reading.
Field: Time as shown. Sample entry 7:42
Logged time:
6:09
